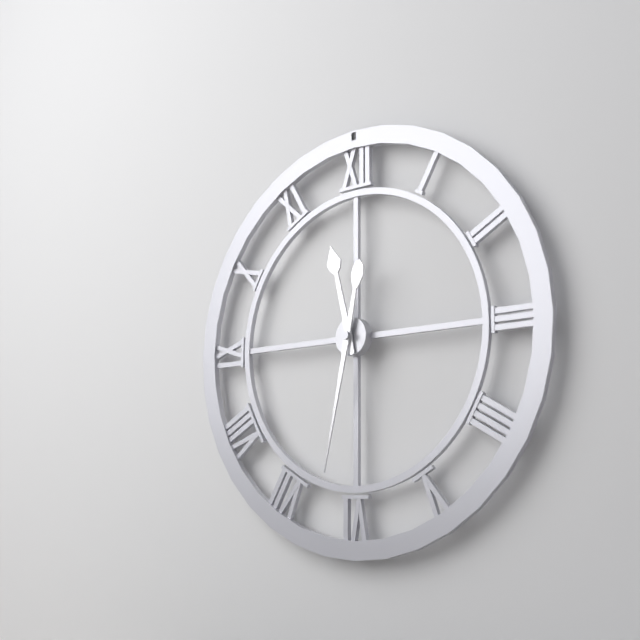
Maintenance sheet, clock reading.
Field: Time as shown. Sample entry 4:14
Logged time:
11:32
